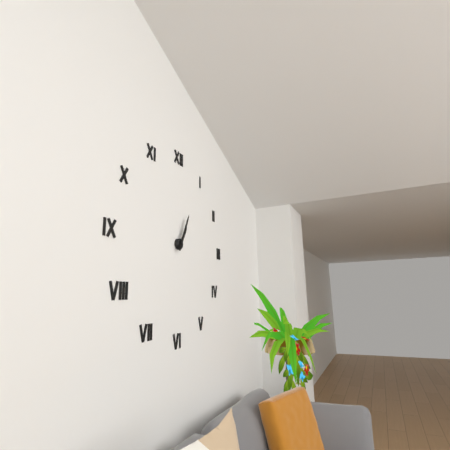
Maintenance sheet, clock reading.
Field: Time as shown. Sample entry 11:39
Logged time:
1:04
